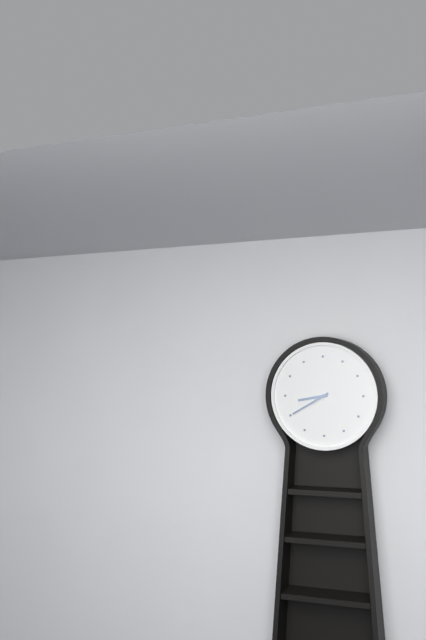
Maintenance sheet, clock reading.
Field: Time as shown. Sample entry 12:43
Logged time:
8:40
